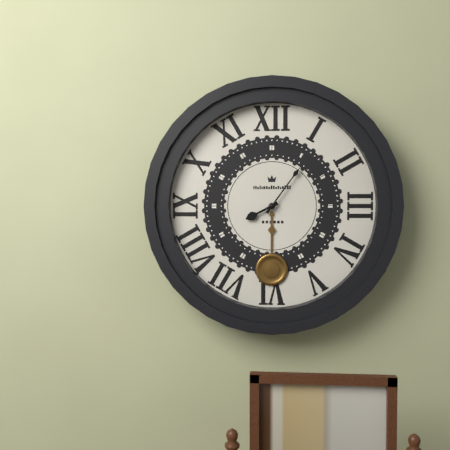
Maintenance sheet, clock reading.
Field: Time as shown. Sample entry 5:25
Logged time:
8:06
